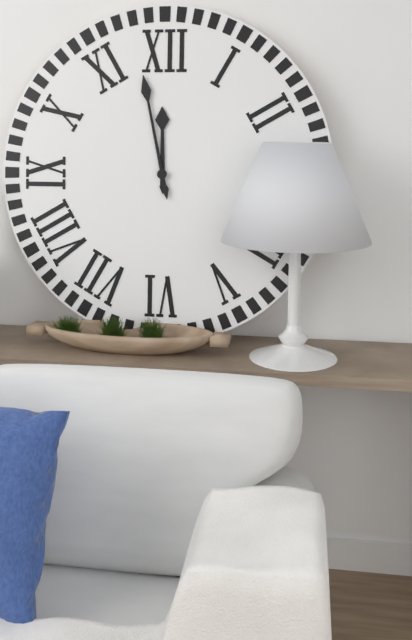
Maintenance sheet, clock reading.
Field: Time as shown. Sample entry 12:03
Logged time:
11:58
